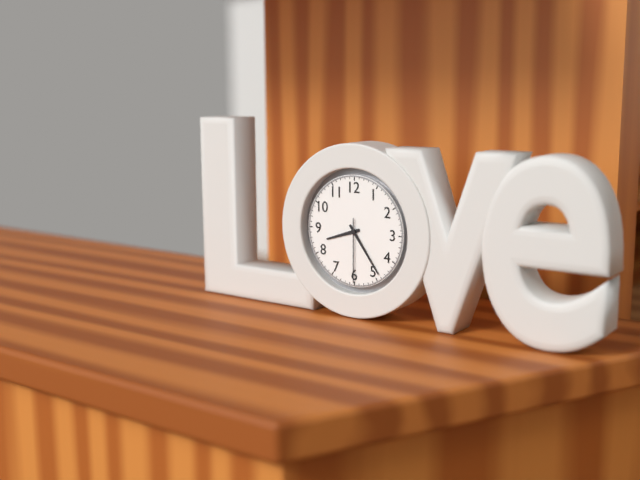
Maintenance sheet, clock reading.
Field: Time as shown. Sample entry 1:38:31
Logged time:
8:24:30
